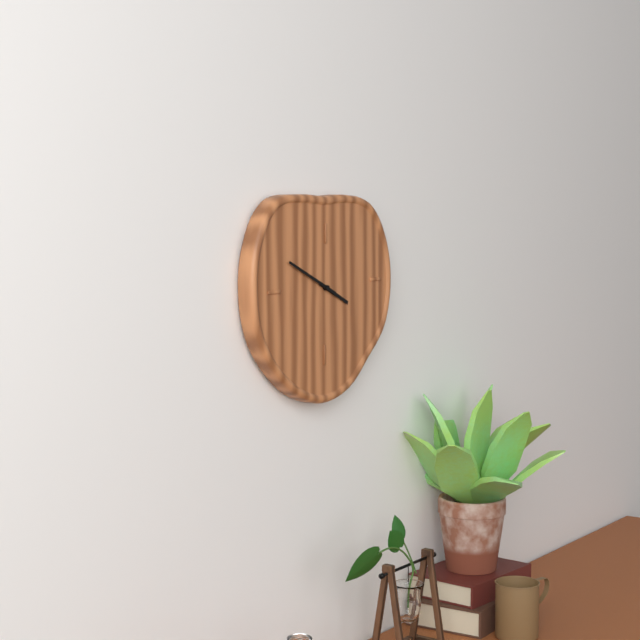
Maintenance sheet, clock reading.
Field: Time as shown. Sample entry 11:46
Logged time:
3:49
